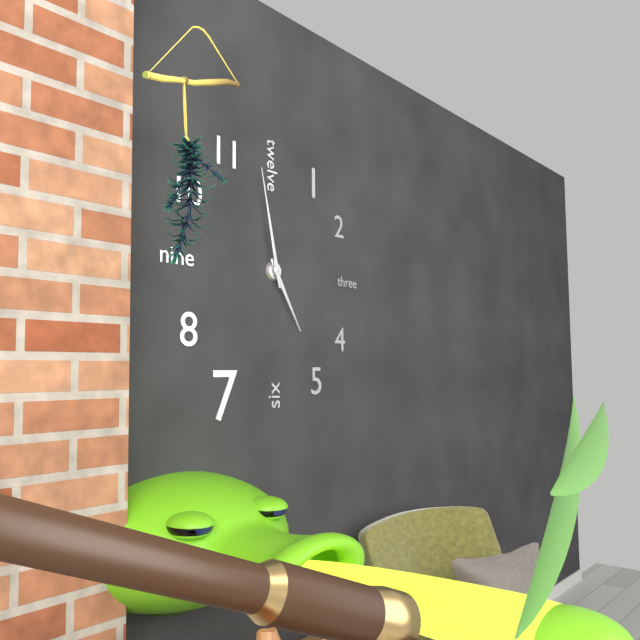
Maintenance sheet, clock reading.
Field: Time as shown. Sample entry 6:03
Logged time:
4:58
